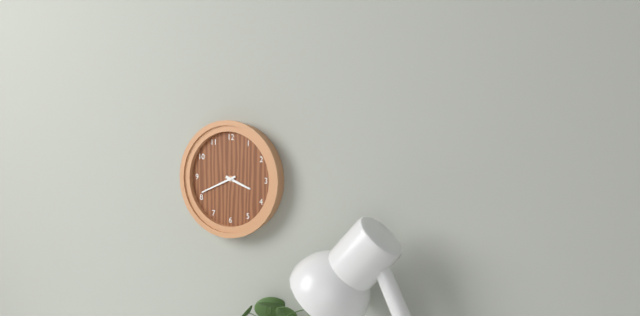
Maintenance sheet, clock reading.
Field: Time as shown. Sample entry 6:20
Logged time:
3:41
